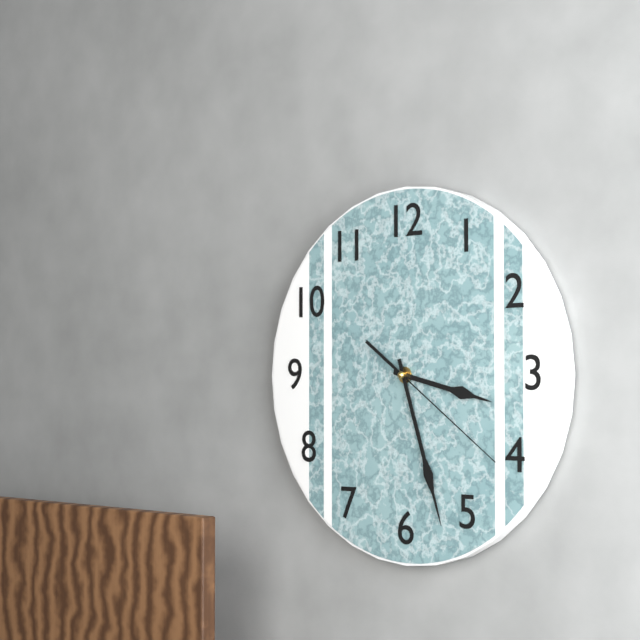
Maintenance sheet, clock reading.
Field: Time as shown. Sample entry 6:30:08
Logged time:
3:27:21
